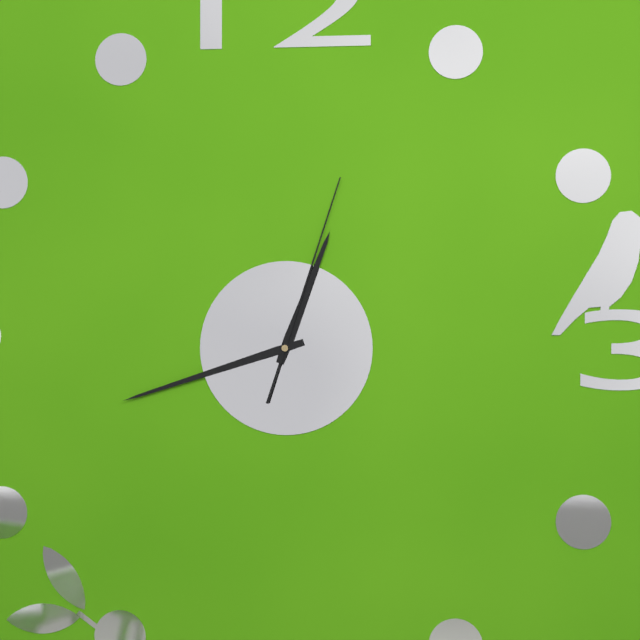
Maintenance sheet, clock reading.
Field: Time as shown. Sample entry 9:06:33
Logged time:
12:42:03
